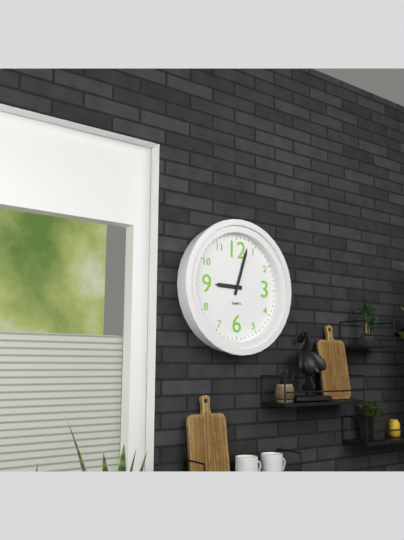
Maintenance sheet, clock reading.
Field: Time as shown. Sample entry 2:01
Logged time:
9:03
